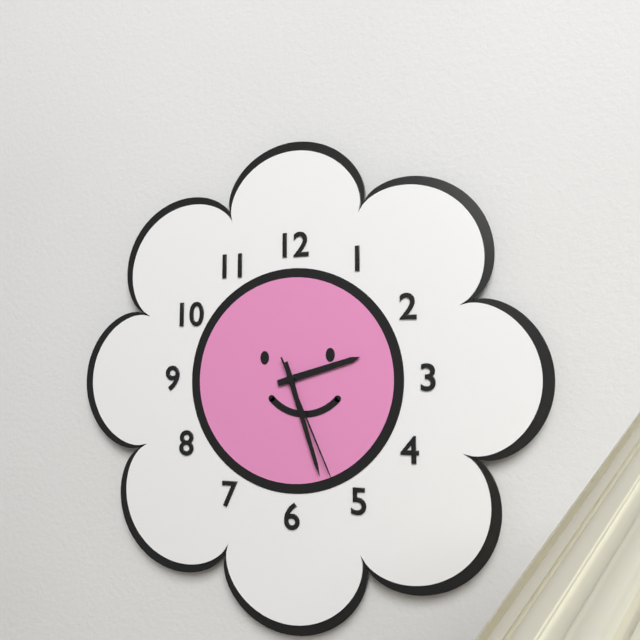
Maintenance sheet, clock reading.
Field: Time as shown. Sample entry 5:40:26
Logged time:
2:27:26
